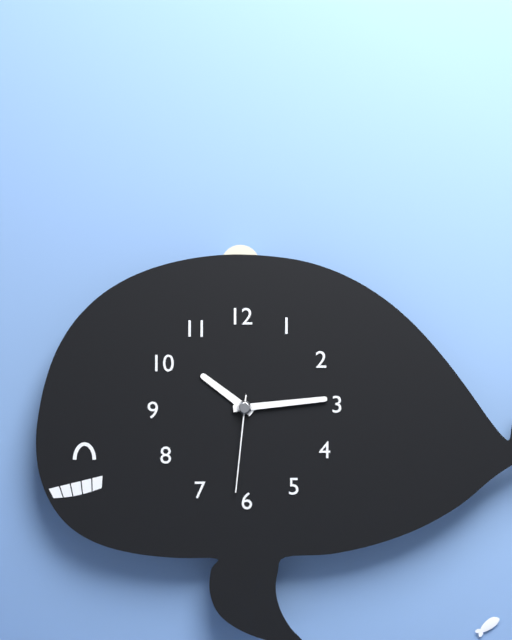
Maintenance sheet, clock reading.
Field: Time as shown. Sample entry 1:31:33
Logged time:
10:14:31
